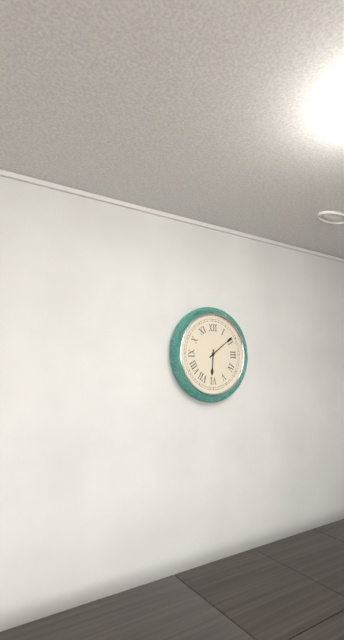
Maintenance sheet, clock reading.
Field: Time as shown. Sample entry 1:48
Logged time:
6:09
